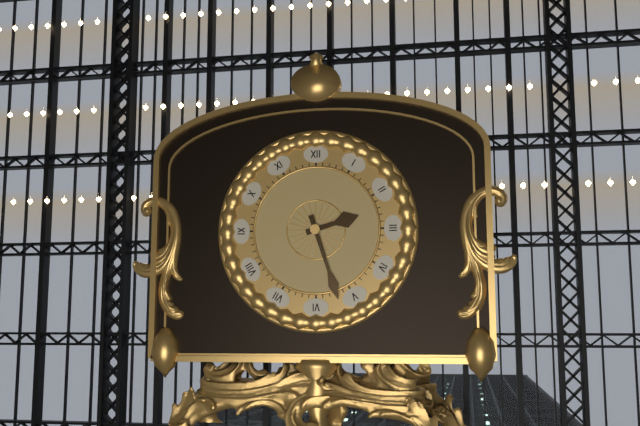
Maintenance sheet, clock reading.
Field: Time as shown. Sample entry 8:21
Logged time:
2:27
